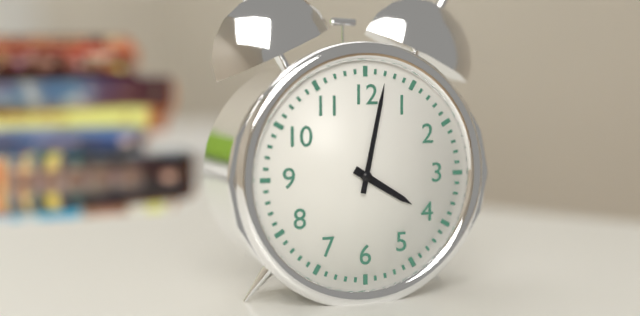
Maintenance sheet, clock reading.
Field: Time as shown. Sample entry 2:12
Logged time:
4:02
